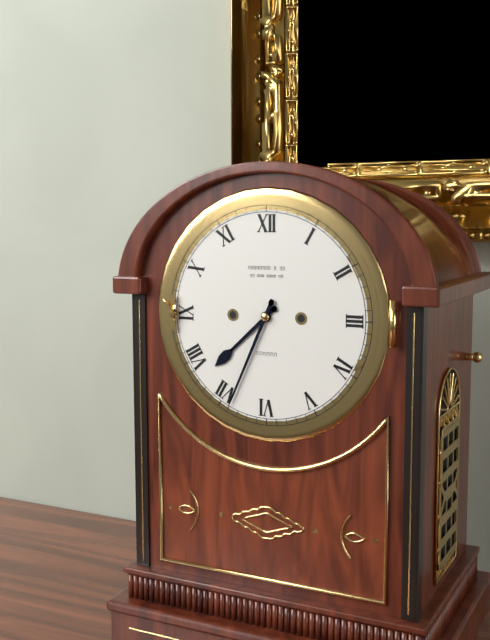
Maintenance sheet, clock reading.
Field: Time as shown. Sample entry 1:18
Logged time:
7:34
